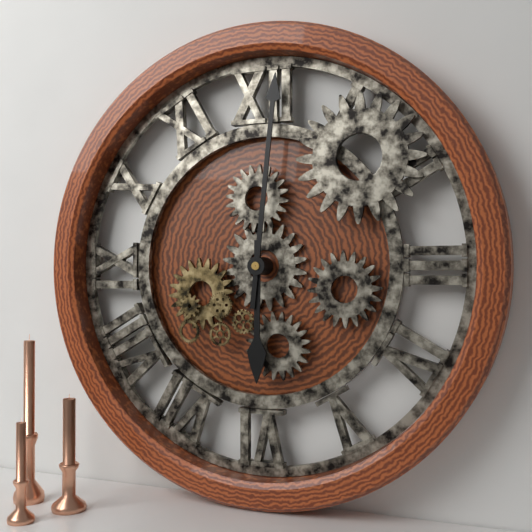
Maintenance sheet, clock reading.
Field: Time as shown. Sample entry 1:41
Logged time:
6:01
